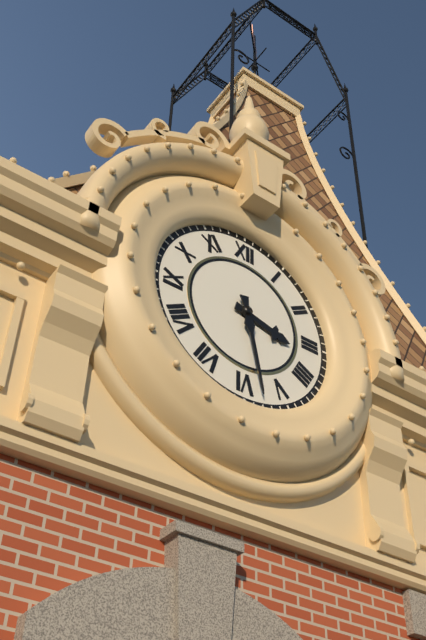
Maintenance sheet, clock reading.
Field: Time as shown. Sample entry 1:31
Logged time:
3:28
